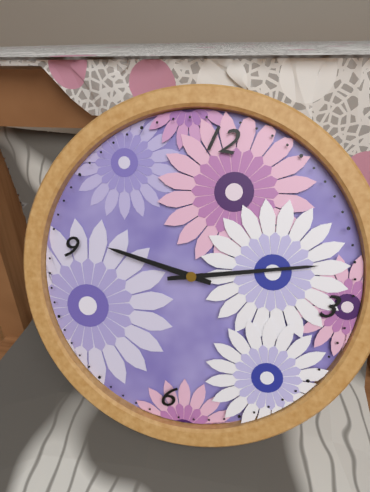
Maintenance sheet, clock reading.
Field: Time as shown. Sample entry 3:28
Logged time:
9:12
